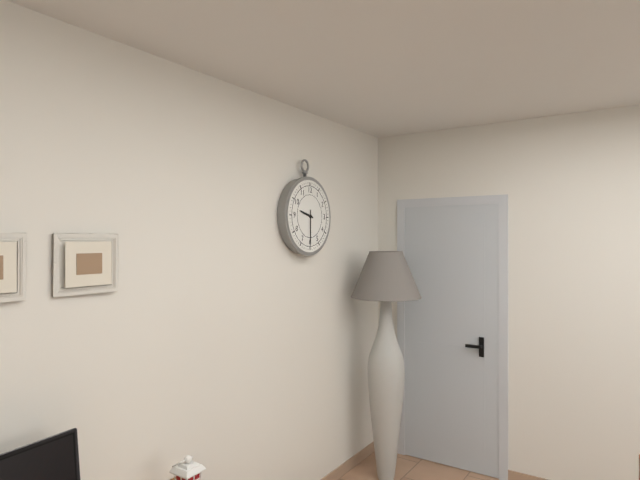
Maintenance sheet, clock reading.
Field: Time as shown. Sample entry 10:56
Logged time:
9:30
